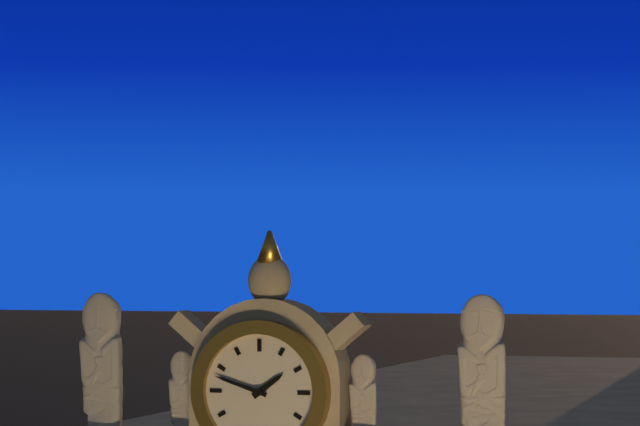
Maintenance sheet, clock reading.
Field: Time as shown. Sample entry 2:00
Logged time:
1:48
